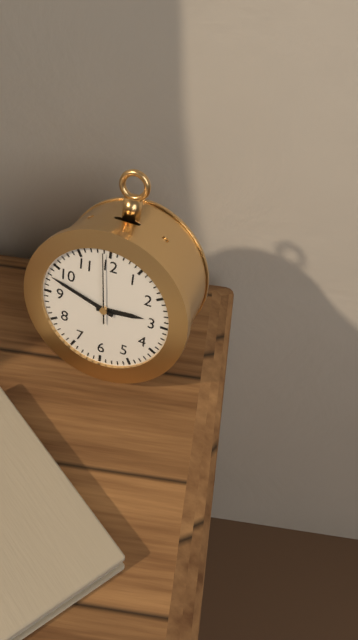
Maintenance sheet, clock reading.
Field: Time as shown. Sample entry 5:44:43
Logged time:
2:48:59
